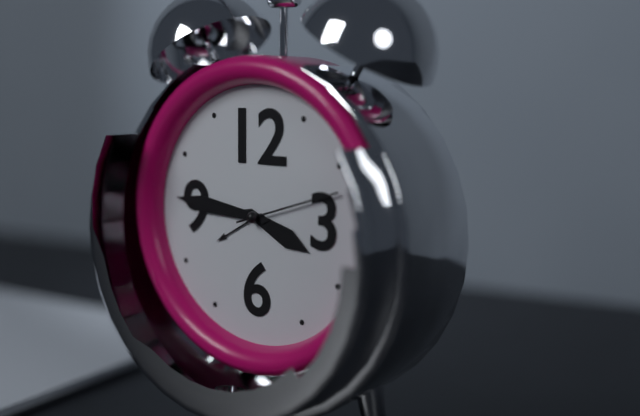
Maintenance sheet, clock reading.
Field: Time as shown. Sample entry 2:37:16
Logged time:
3:46:12
